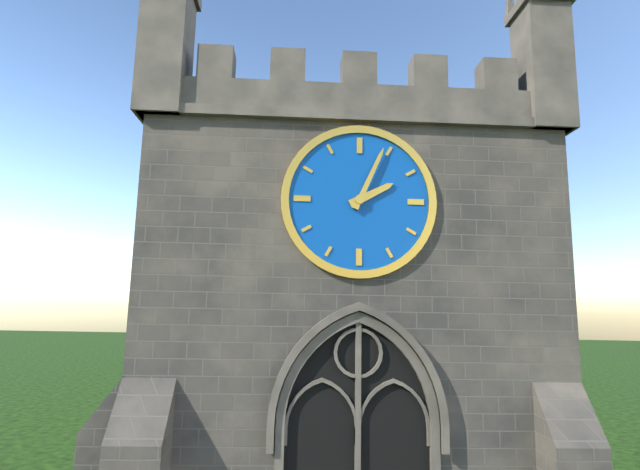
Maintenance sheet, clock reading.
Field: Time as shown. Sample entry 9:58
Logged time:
2:04
